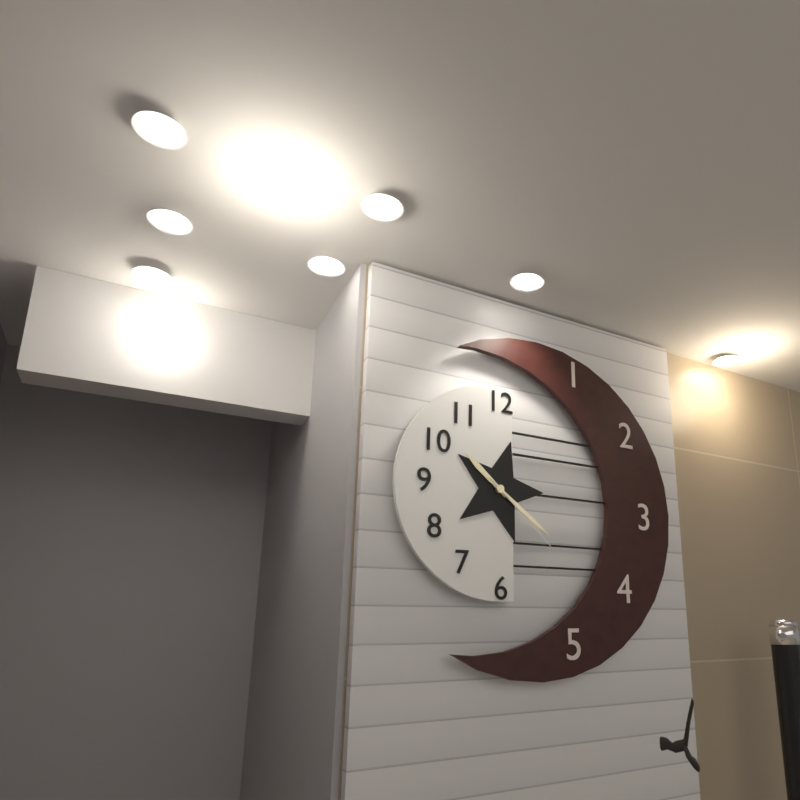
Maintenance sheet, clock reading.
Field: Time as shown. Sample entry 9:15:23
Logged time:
10:21:22
